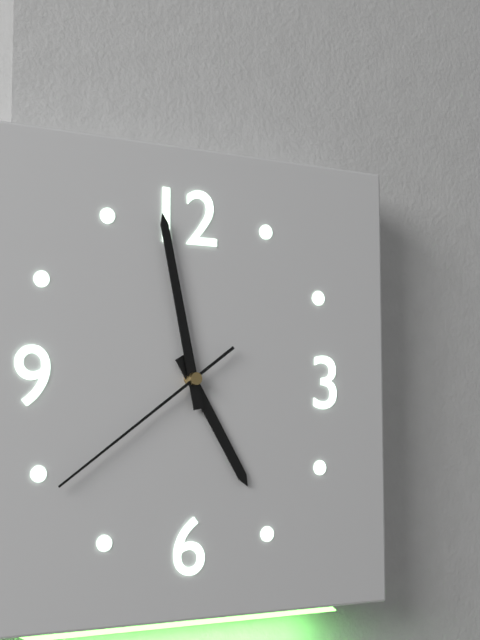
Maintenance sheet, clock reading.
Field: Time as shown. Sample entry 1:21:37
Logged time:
4:58:39
